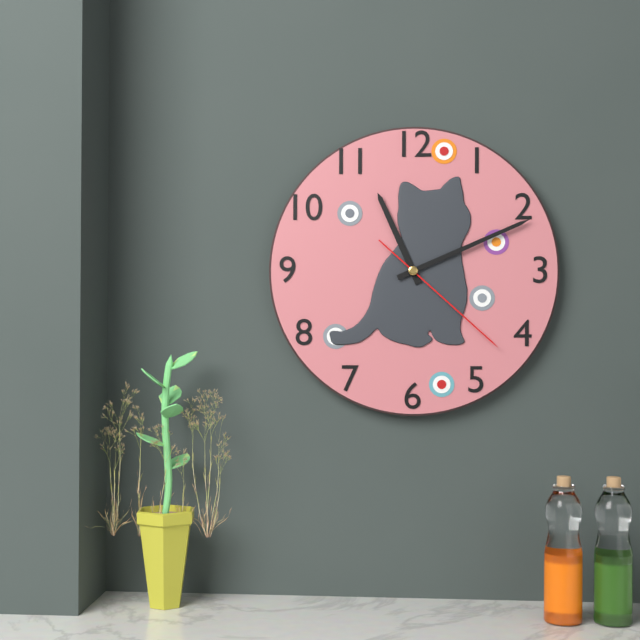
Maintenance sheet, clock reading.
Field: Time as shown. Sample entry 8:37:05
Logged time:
11:11:22
